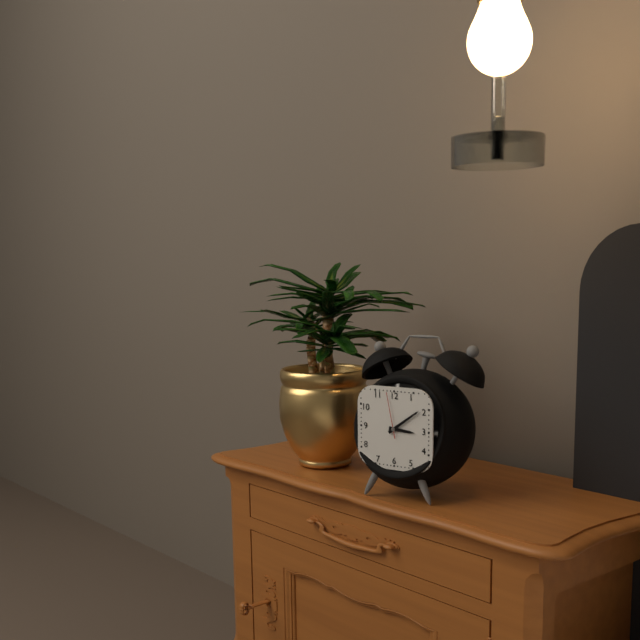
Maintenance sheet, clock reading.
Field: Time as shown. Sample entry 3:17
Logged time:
3:09
